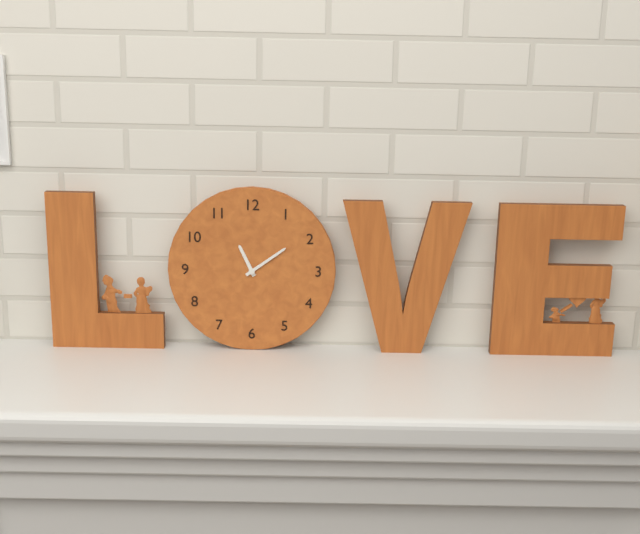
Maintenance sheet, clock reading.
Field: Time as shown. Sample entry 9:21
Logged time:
11:09
